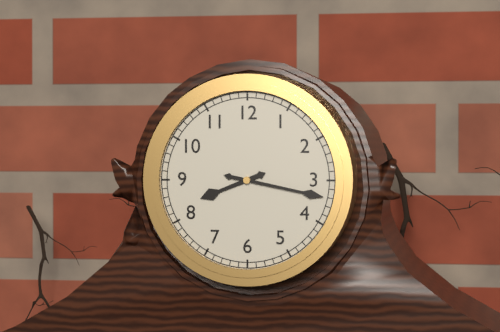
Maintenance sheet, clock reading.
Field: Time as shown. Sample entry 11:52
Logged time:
8:17
